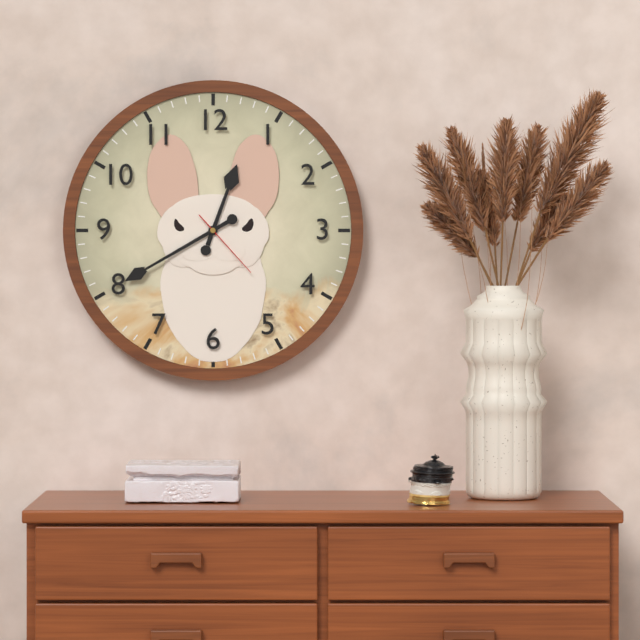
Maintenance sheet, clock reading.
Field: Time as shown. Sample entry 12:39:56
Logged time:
12:40:23
